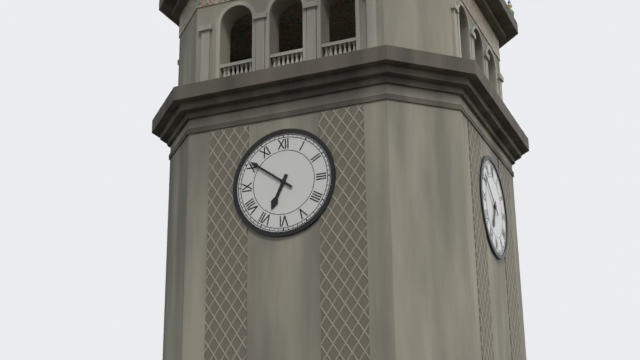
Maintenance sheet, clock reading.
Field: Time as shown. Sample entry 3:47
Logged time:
6:51
